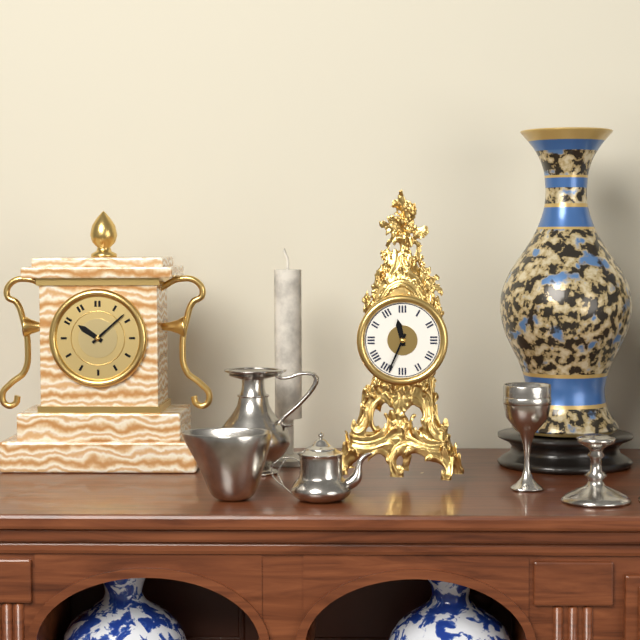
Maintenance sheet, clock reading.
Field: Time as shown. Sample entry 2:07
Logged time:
11:34
